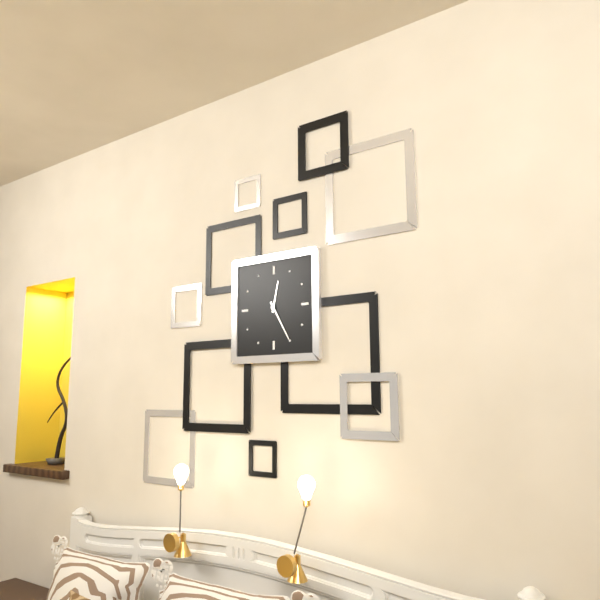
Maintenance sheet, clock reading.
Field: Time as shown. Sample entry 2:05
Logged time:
12:25
